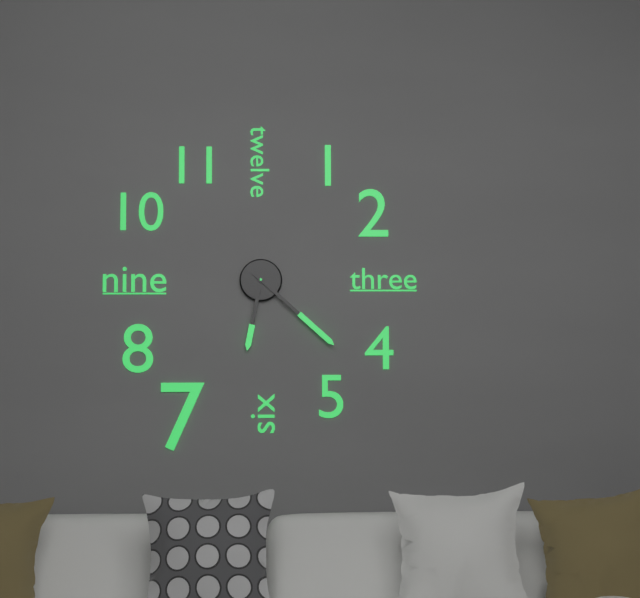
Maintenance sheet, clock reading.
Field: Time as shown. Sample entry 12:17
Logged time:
6:22
